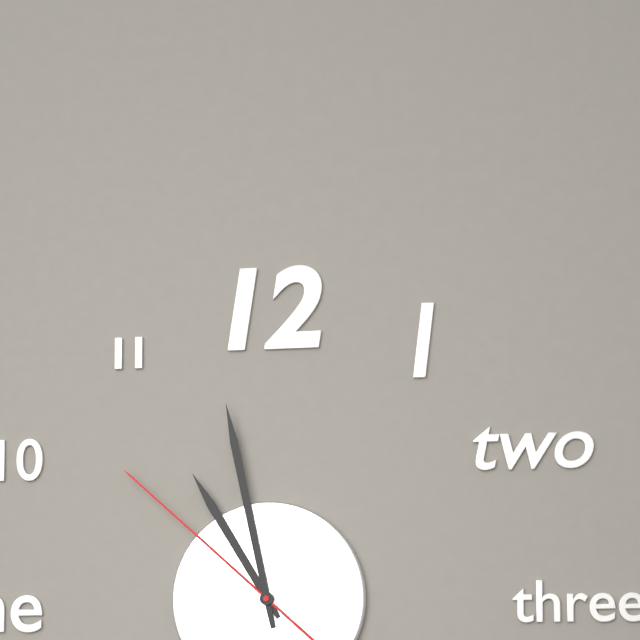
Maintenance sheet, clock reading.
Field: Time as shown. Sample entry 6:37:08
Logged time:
10:58:52
